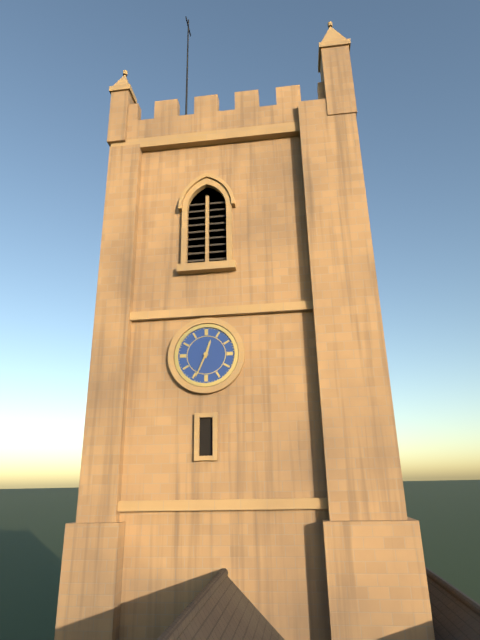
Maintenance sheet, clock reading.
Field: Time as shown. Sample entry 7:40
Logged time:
12:34
